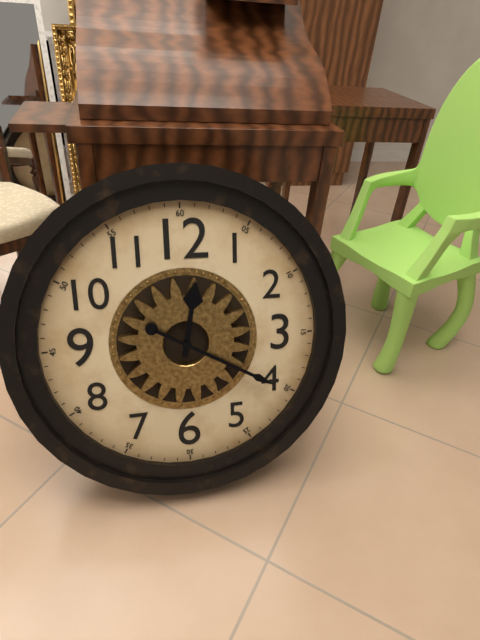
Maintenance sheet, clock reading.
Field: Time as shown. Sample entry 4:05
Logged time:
12:20
